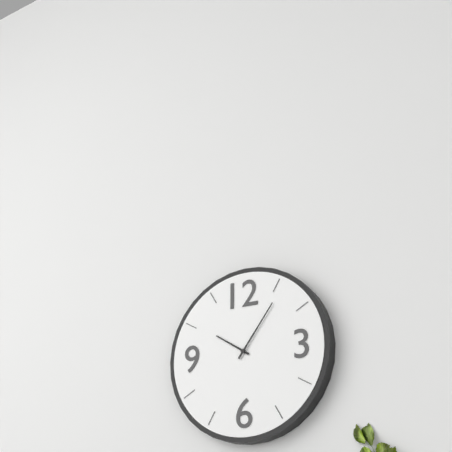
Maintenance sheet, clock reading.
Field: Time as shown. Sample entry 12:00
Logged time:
10:06
